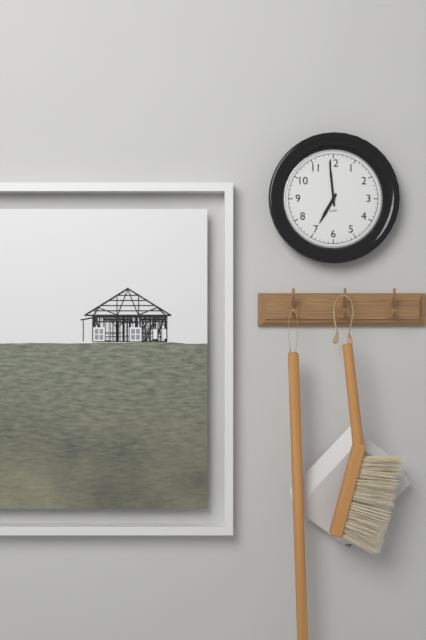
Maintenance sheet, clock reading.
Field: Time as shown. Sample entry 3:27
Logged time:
6:59
